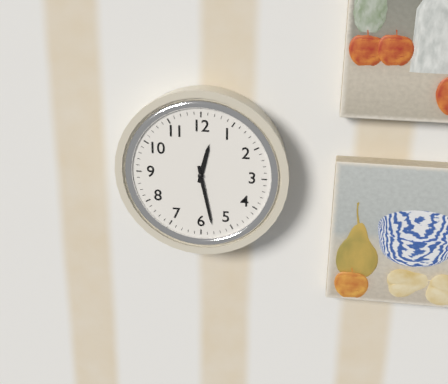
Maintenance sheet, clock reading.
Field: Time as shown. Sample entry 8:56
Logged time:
12:28
